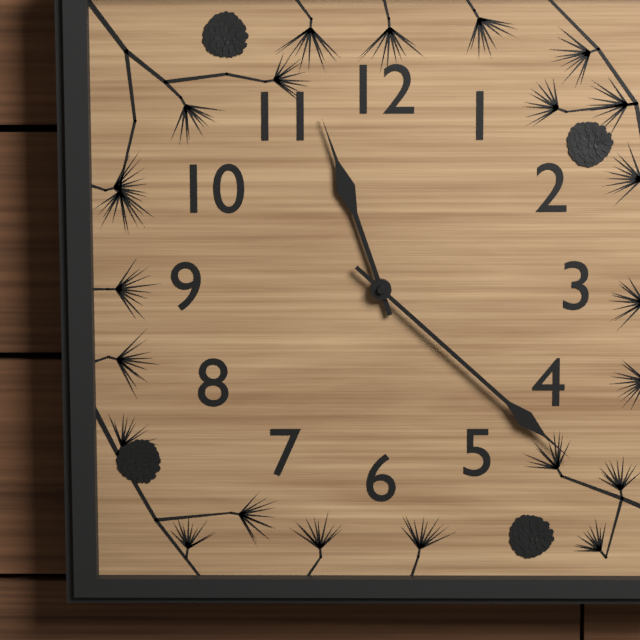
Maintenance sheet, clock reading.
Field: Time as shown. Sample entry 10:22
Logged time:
11:22
